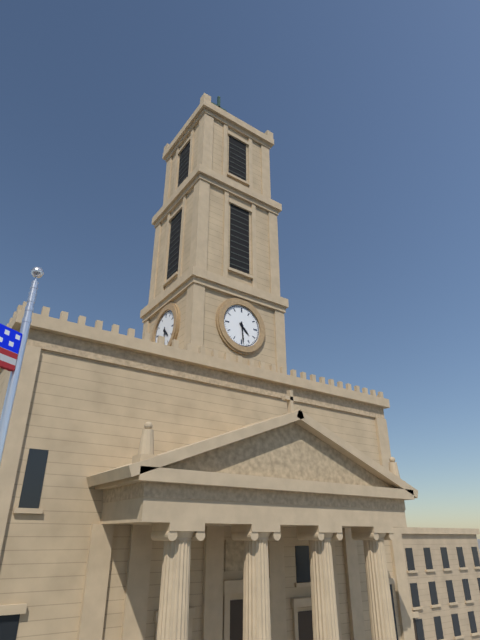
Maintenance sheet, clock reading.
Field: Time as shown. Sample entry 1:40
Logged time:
4:29
